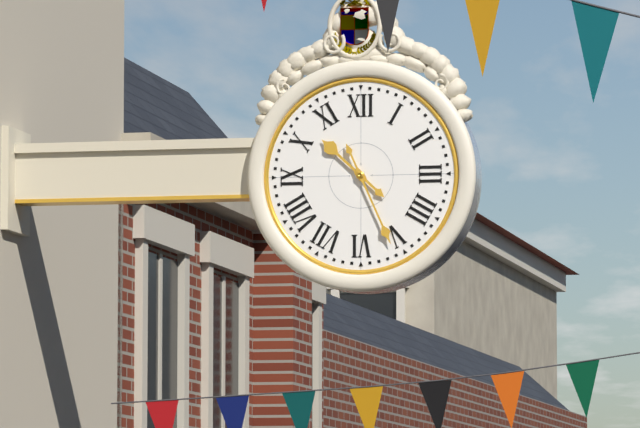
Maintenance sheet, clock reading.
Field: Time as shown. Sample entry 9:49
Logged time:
10:26
